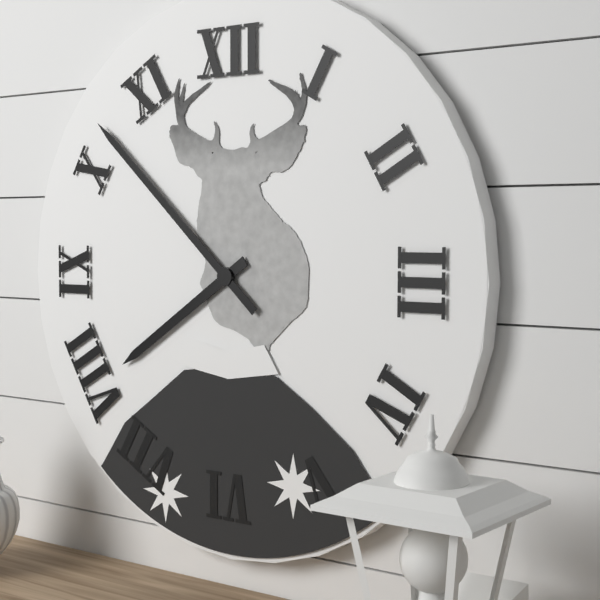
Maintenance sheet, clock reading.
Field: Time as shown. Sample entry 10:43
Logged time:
7:52
